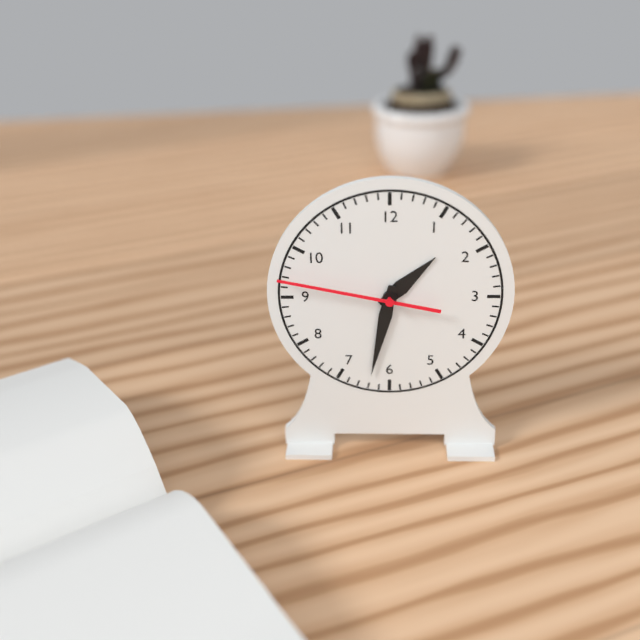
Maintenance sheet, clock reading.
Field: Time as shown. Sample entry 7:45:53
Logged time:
1:32:47
